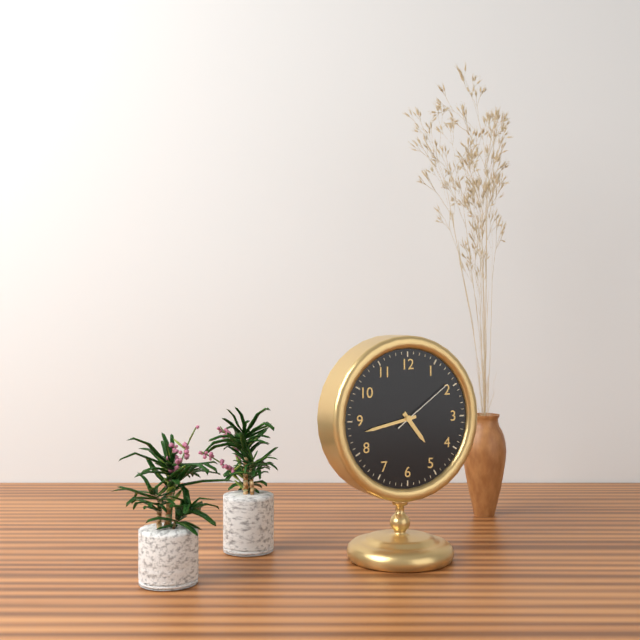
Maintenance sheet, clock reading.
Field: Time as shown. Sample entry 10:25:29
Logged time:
4:43:09
